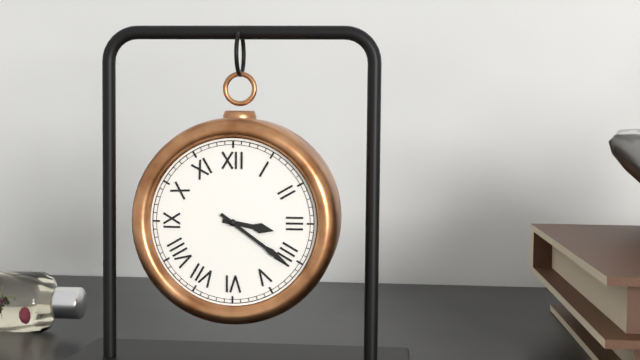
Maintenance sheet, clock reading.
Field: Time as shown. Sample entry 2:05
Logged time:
3:21
